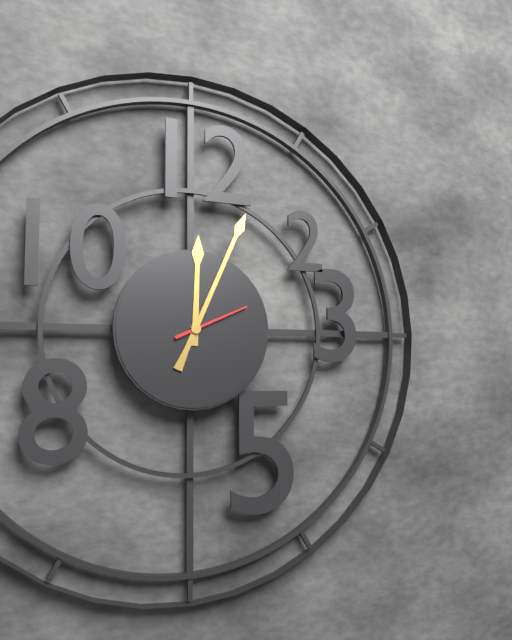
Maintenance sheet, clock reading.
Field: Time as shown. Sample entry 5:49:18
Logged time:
12:04:11
